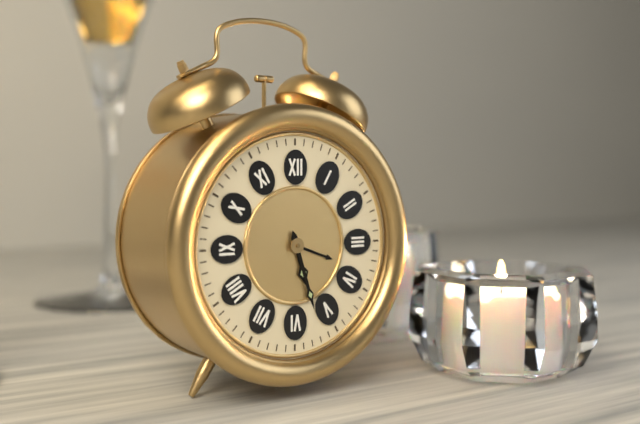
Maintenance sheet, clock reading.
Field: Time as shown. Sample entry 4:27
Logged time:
5:27
